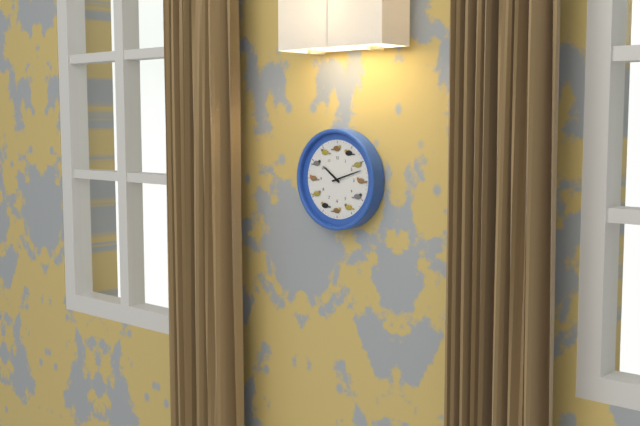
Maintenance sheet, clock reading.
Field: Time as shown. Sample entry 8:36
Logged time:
10:12
